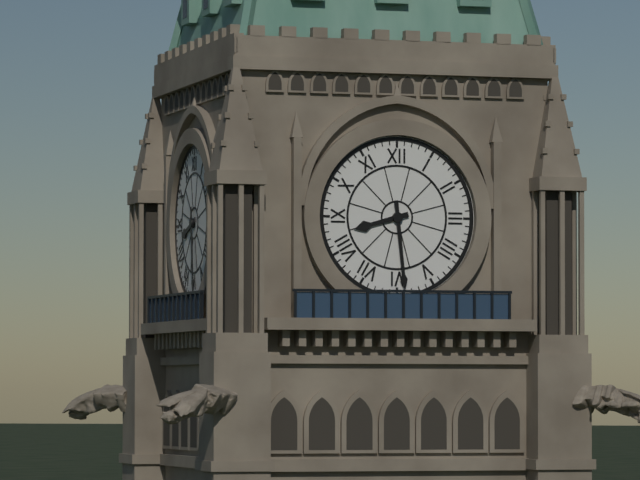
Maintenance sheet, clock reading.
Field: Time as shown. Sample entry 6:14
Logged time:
8:29
